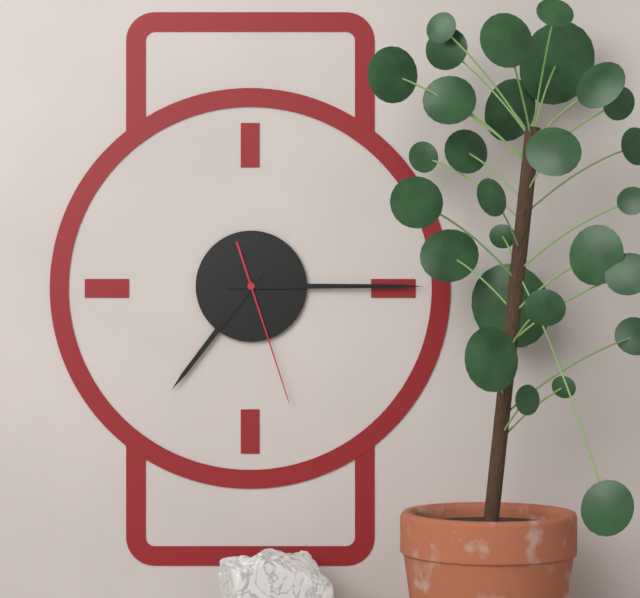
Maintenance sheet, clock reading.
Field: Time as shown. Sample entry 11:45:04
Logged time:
7:15:27
